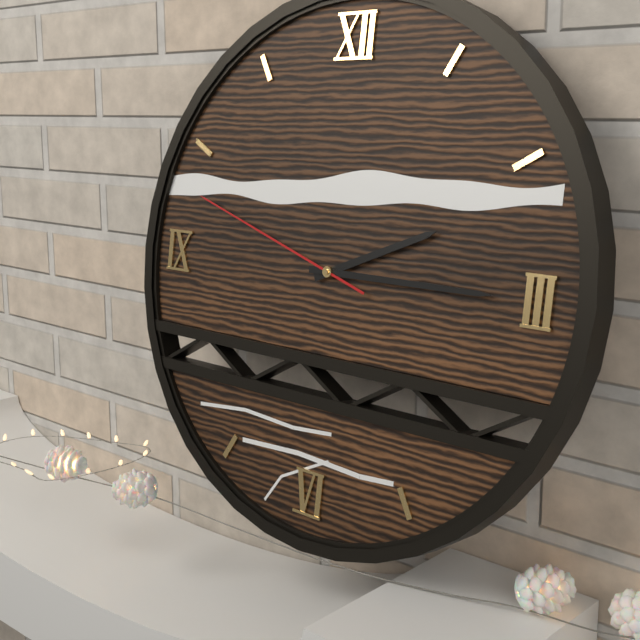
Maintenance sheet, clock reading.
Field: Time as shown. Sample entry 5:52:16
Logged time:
2:15:48
